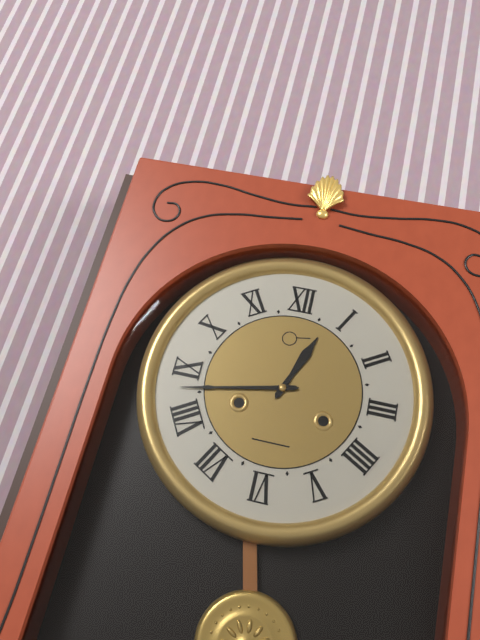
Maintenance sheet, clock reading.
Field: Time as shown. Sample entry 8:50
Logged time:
12:43
